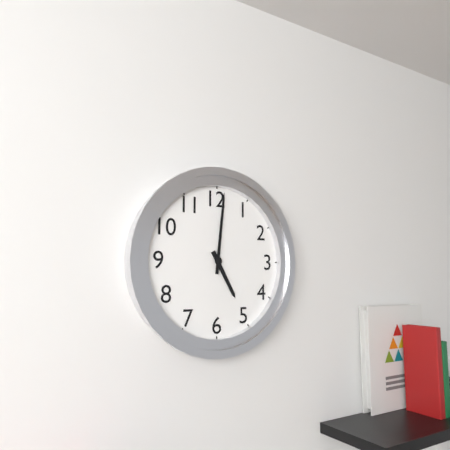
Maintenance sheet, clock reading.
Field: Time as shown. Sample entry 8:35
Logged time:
5:01
